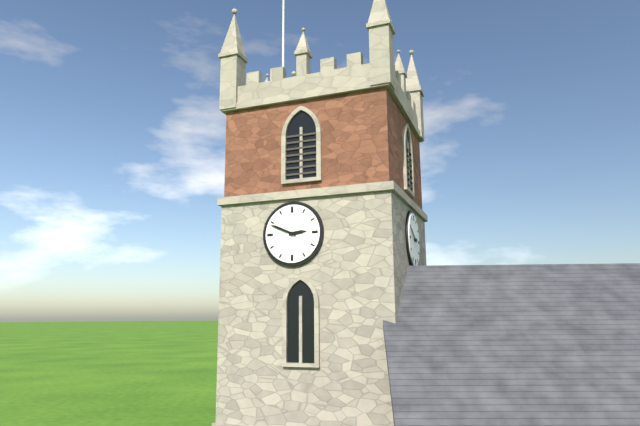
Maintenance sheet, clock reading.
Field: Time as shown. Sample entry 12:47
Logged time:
2:49
